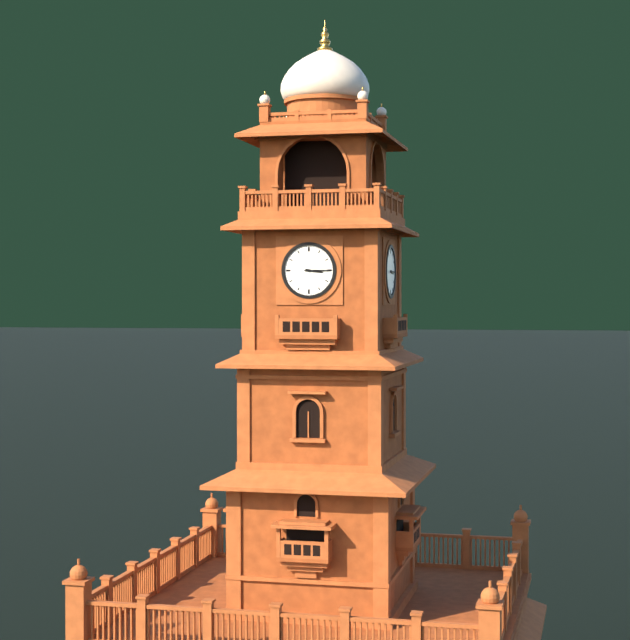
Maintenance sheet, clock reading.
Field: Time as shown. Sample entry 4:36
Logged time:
3:15
